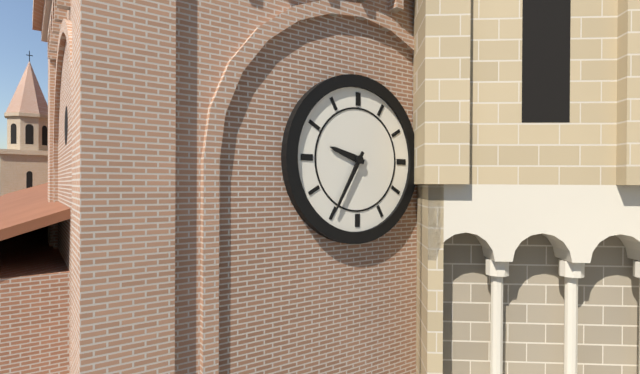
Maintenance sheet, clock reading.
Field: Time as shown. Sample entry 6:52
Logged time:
9:35
